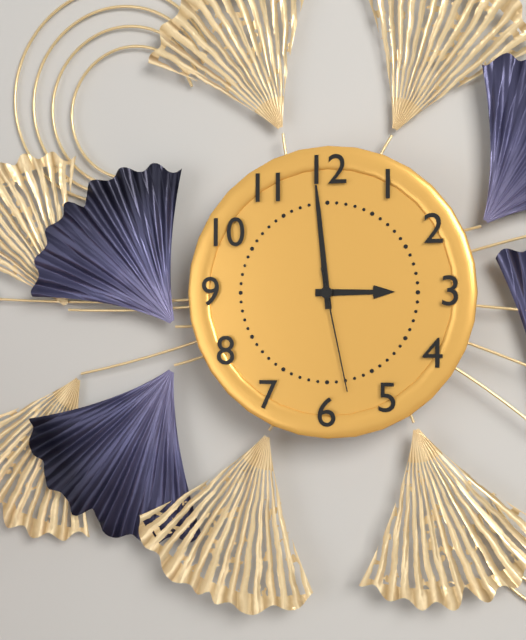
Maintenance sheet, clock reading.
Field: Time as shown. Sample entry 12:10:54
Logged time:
2:59:28
